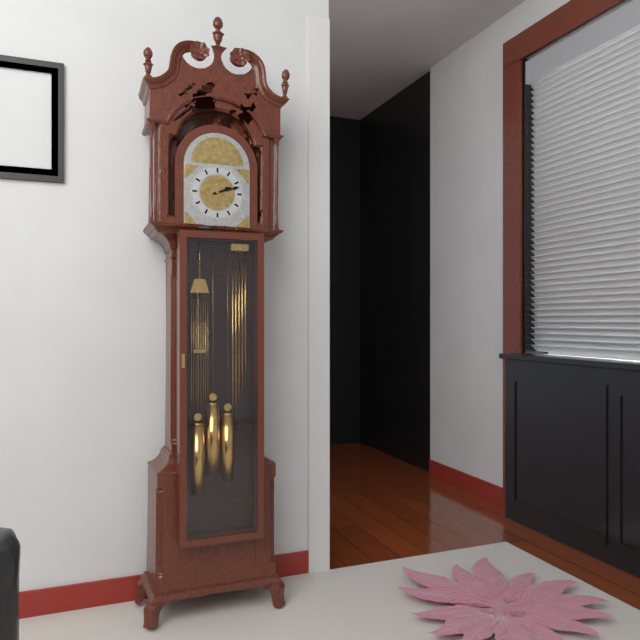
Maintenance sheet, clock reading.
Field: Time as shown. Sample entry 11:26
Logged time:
2:12
